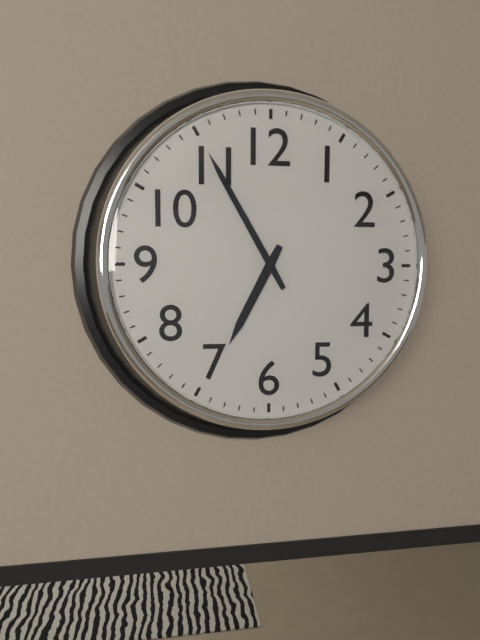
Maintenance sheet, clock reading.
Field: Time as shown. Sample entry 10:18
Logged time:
6:55
